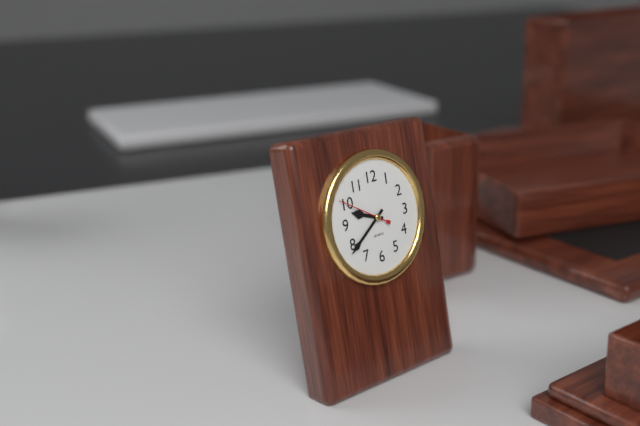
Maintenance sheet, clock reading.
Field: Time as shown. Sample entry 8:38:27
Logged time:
9:39:50
